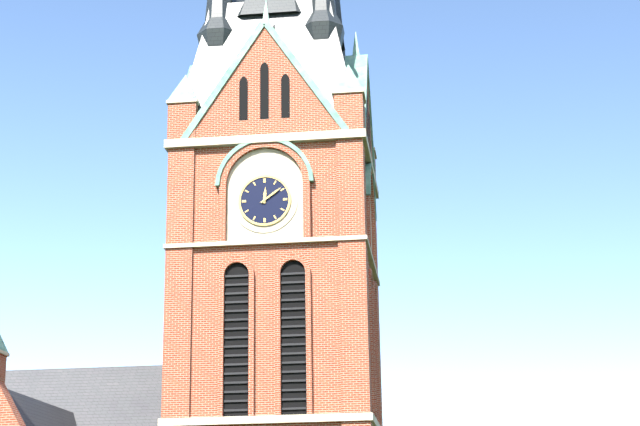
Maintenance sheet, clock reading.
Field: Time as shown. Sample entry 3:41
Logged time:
12:09
